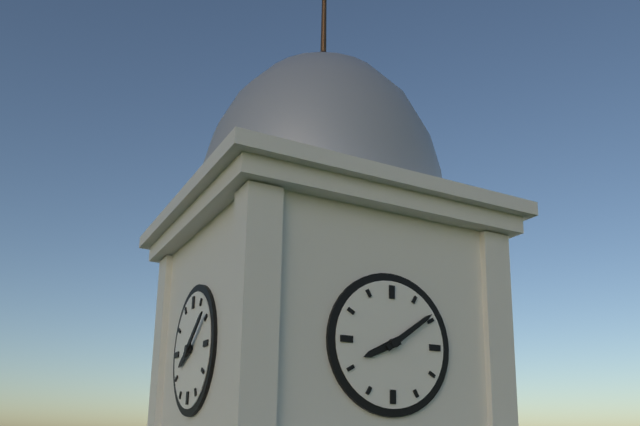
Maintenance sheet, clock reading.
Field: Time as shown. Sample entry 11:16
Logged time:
8:09
